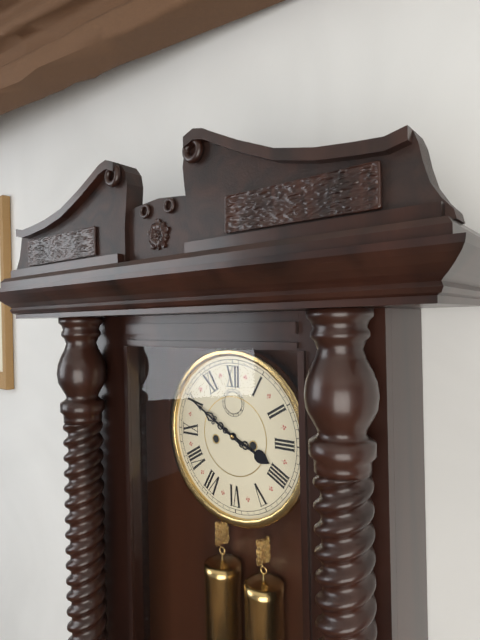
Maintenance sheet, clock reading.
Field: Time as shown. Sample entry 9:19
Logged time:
3:50
